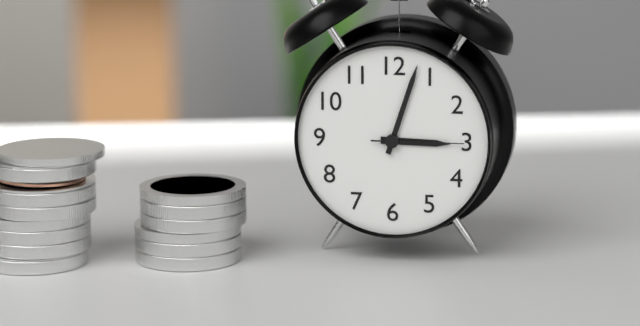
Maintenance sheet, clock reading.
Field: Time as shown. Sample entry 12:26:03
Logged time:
3:03:15
